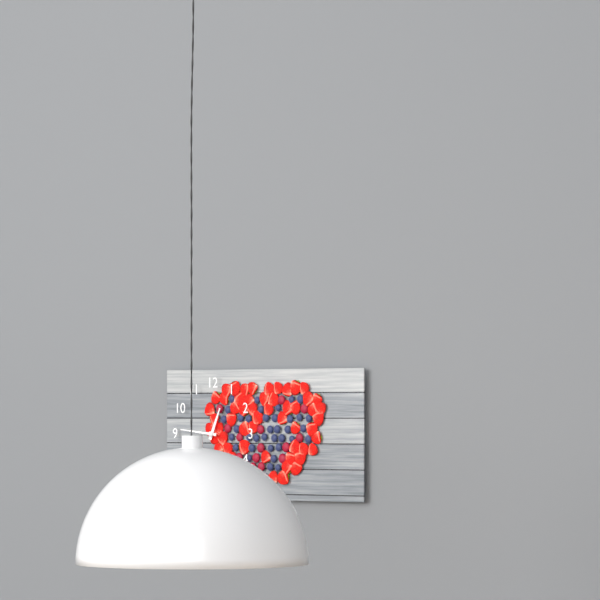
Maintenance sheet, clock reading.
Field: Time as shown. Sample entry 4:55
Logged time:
12:46
